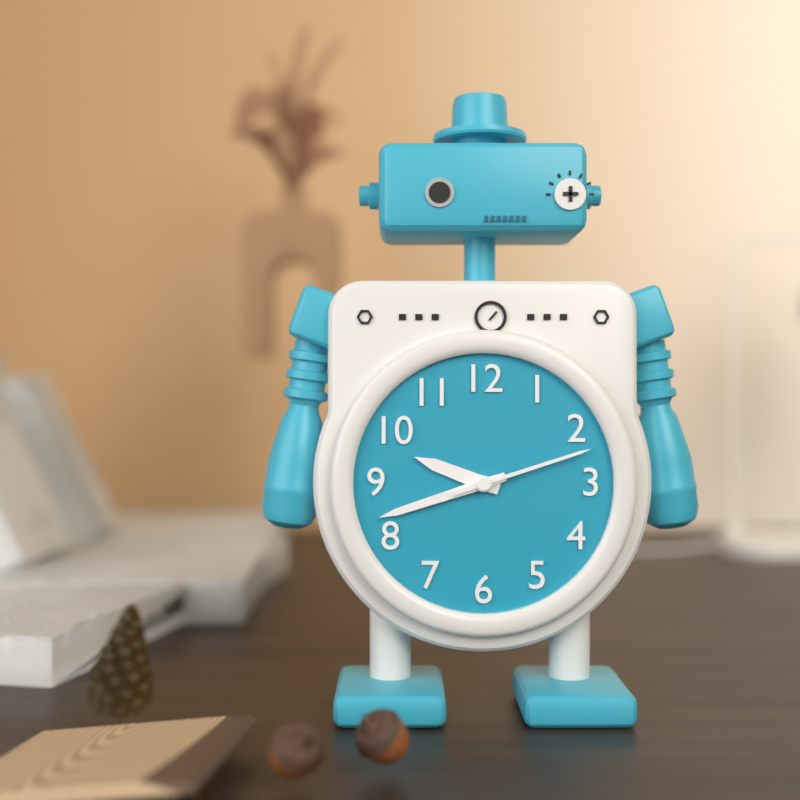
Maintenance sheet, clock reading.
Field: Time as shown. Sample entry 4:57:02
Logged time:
9:42:12
